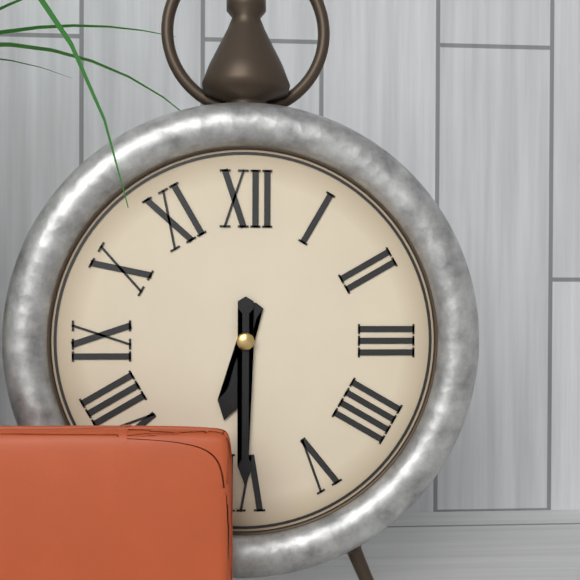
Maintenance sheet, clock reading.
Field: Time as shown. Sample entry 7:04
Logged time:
6:30
